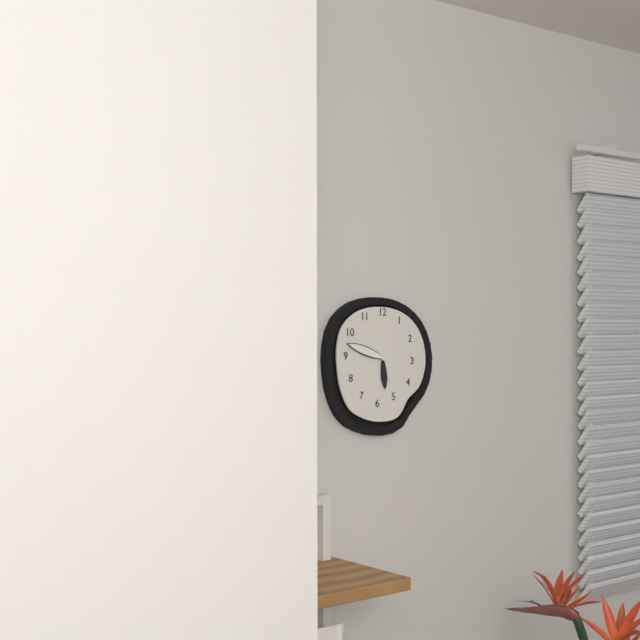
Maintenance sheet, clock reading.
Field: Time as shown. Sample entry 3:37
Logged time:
5:48
